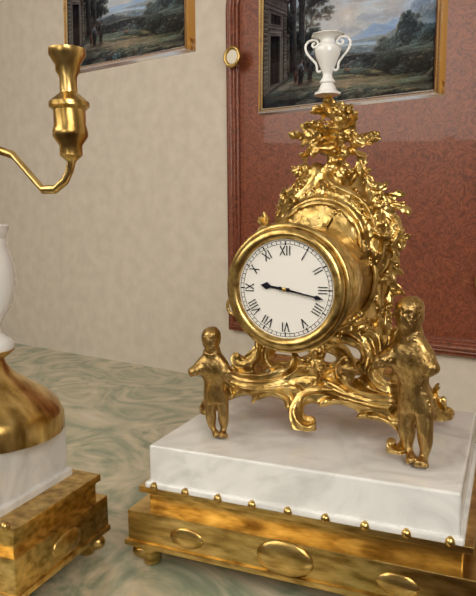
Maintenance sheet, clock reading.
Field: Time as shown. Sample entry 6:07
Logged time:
9:17
